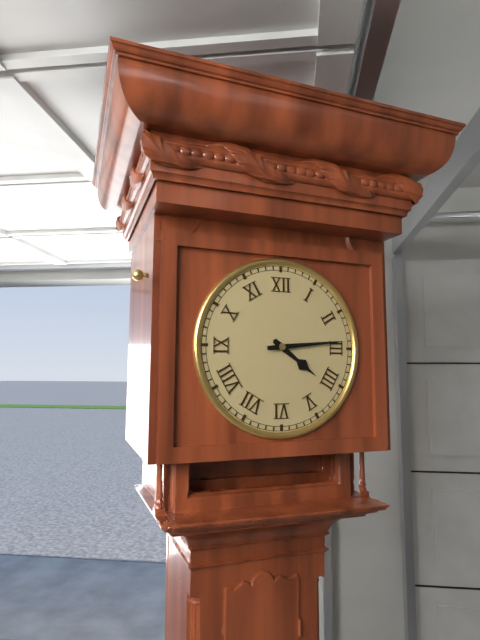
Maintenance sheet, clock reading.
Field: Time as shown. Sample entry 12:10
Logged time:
4:14
